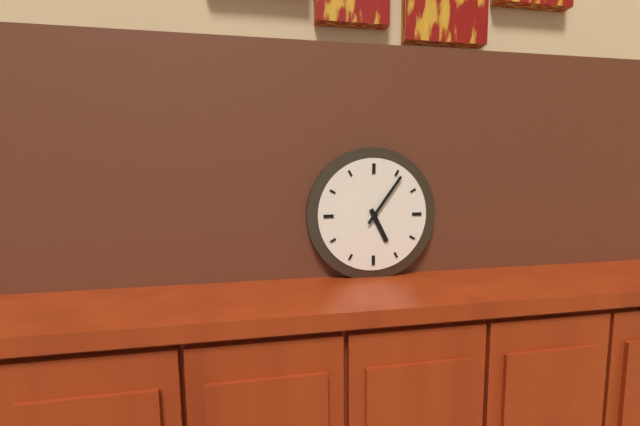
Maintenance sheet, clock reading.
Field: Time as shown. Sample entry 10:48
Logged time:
5:06
